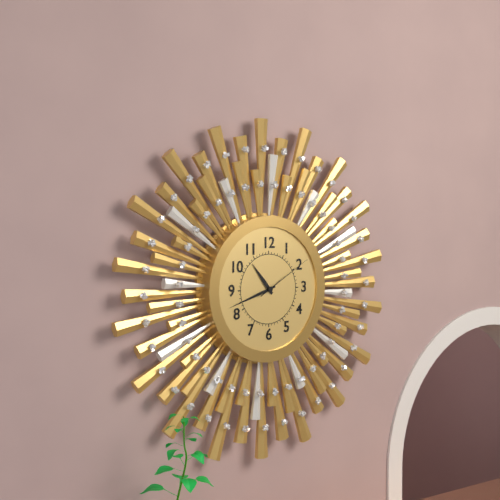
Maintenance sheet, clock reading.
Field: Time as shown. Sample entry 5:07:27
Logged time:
10:42:10
